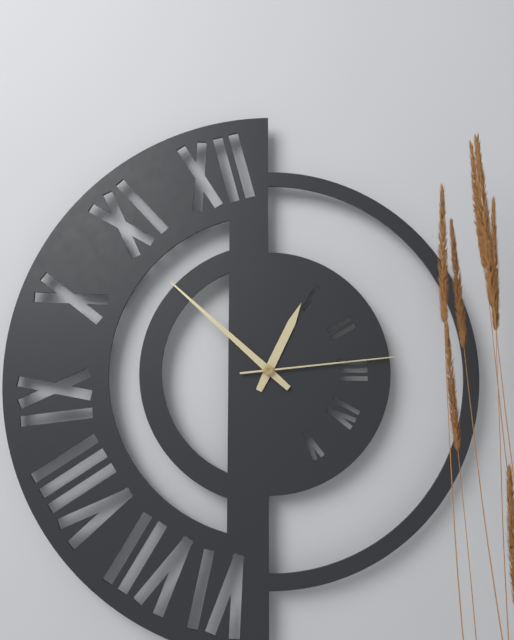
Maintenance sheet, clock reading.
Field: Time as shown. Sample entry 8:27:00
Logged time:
12:52:14
